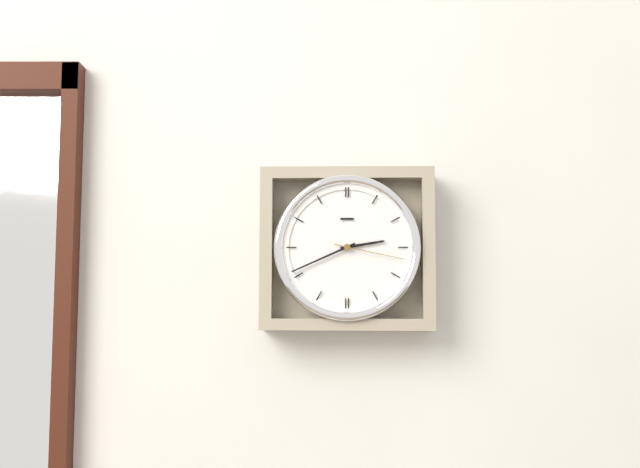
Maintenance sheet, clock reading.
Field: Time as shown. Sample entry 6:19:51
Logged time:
2:41:17
